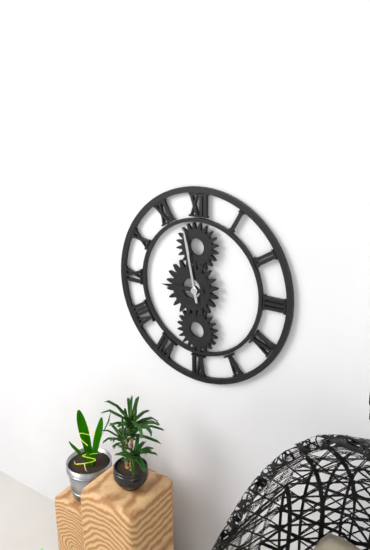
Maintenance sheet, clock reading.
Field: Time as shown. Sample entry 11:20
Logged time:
8:58
